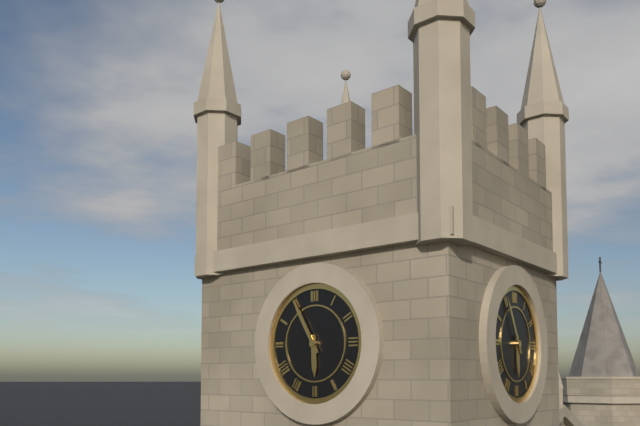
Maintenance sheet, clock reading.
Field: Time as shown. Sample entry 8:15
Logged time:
5:55
